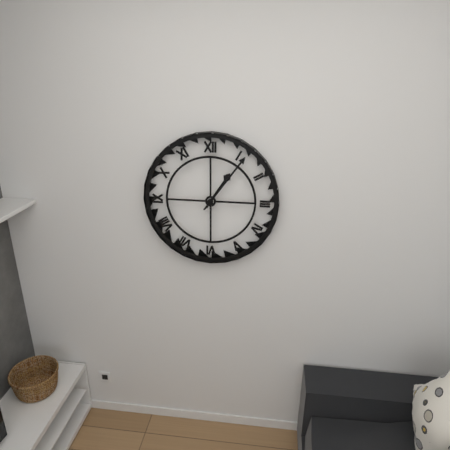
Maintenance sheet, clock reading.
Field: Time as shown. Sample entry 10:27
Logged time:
1:06
